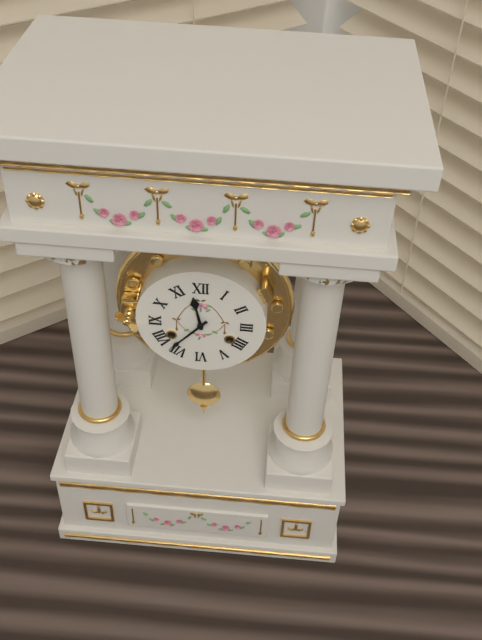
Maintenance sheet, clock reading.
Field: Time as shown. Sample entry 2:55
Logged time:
11:37
